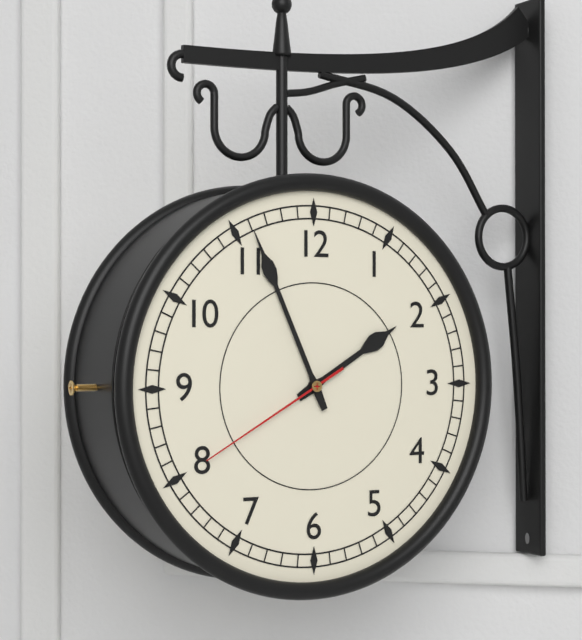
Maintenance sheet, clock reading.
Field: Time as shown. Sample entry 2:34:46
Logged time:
1:56:40
